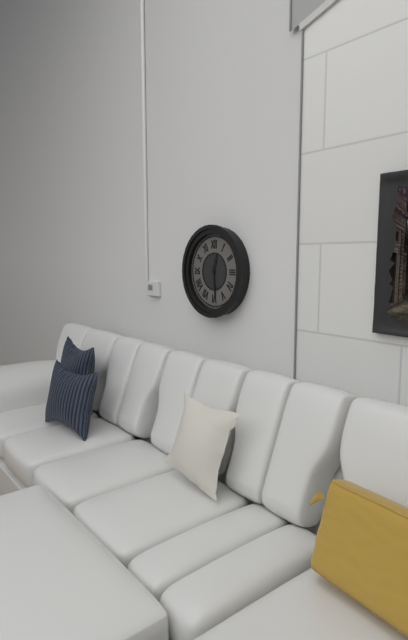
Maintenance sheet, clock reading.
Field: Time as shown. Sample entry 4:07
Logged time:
12:29
